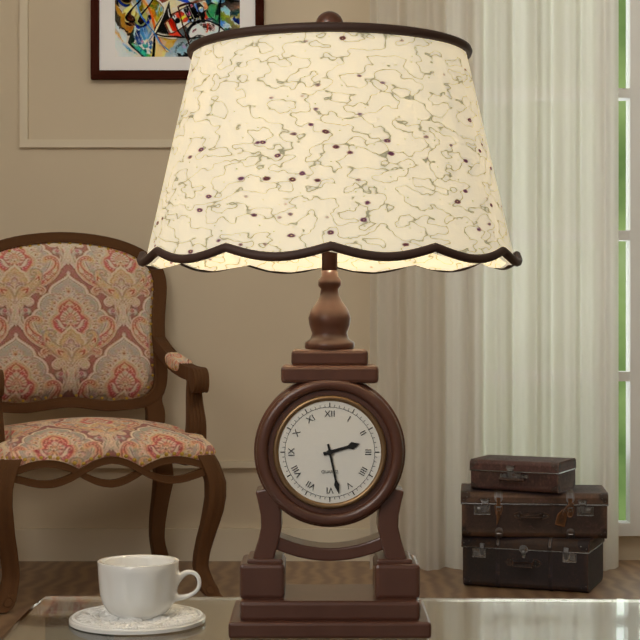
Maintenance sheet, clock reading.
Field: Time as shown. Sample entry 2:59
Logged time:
2:28
